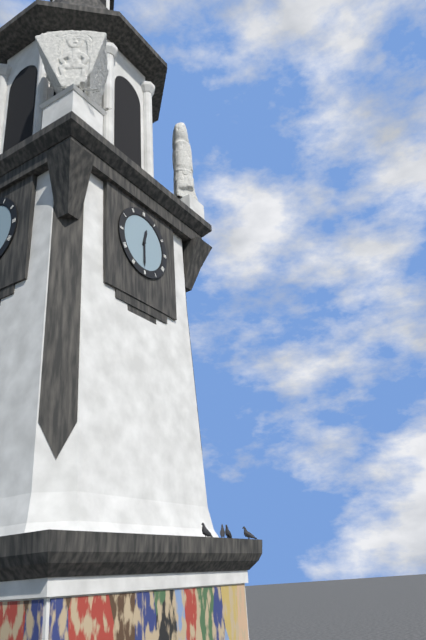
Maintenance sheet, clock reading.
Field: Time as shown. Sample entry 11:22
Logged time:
12:30
